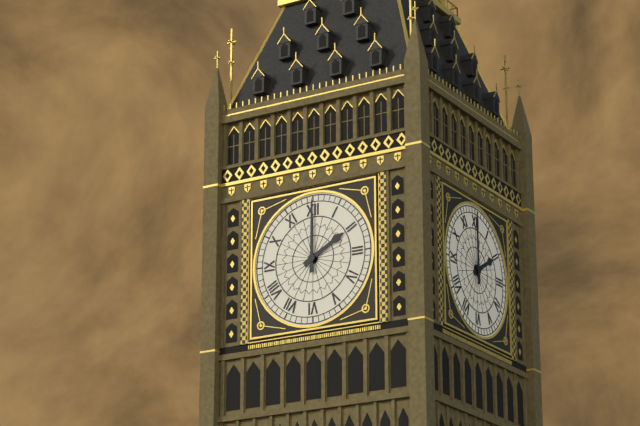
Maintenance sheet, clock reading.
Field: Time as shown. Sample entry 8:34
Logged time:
2:00
